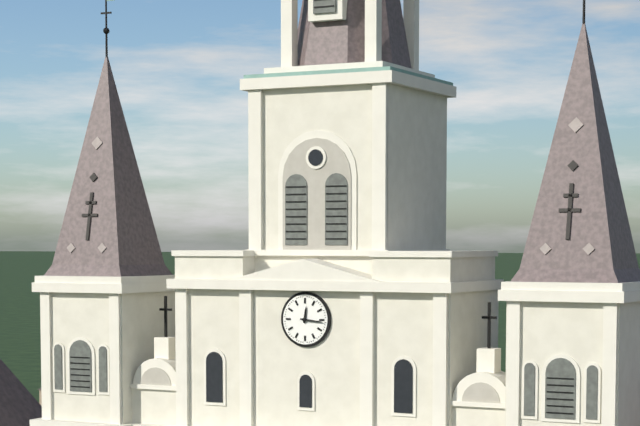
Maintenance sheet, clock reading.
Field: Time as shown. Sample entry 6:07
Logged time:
12:16
